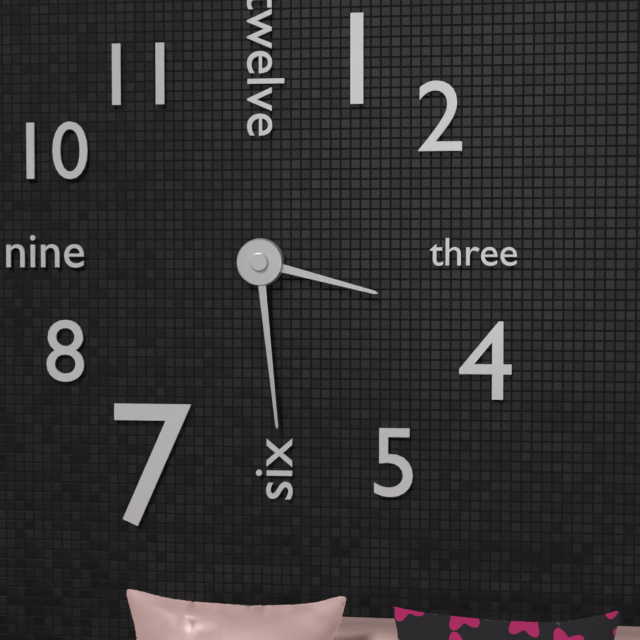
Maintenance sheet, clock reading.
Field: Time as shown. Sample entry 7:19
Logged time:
3:29
